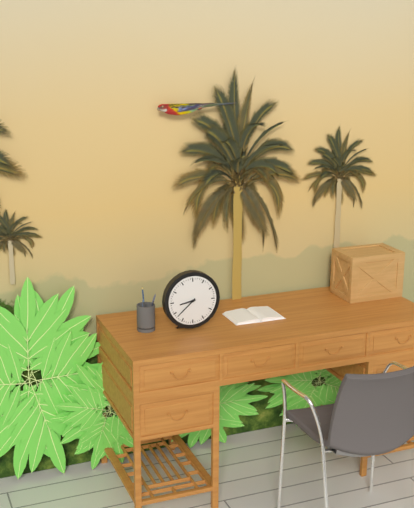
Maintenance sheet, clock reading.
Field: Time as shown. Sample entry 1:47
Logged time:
8:38
